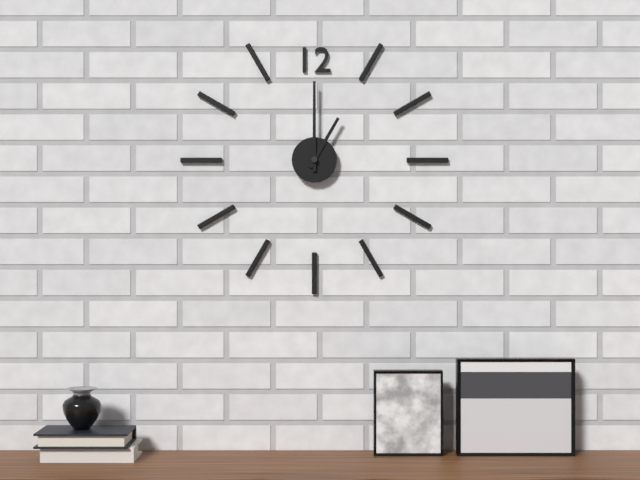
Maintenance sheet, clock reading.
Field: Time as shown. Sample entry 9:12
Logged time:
1:00
